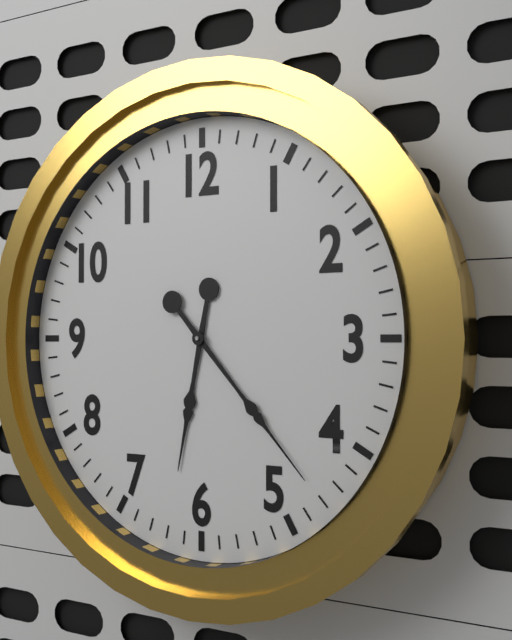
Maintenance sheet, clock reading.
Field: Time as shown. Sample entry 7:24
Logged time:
6:23
